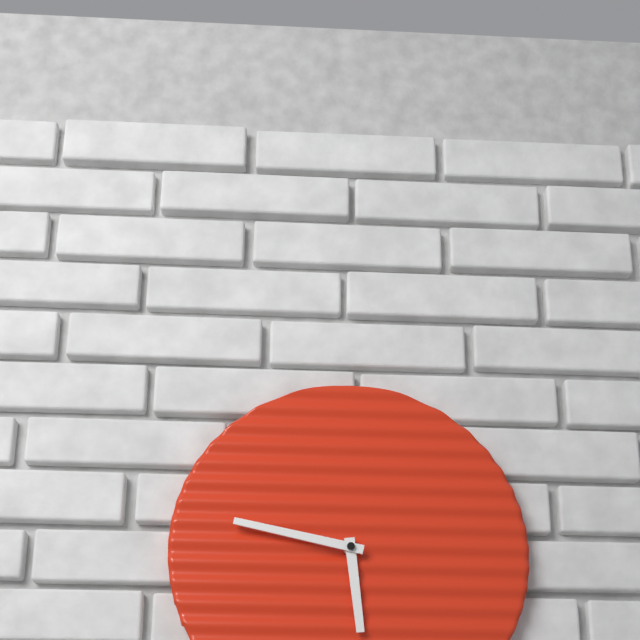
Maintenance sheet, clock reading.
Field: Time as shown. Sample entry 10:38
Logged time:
5:47
